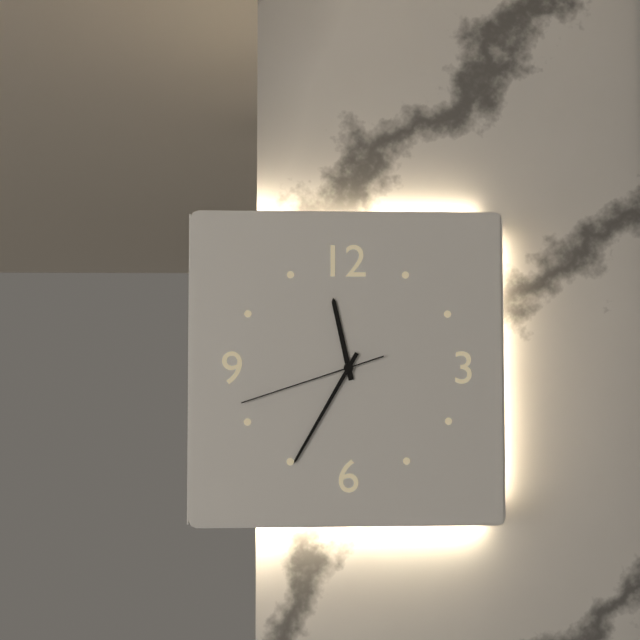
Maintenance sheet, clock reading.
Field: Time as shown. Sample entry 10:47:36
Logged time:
11:35:42
